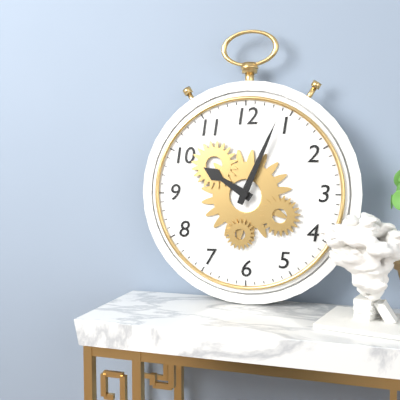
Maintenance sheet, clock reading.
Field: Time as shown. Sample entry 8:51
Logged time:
10:04
